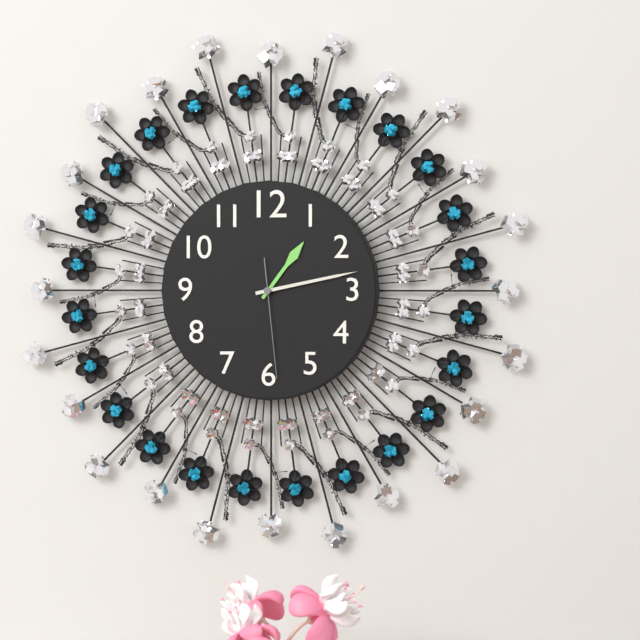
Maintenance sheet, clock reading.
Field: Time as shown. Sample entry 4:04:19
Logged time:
1:13:29
